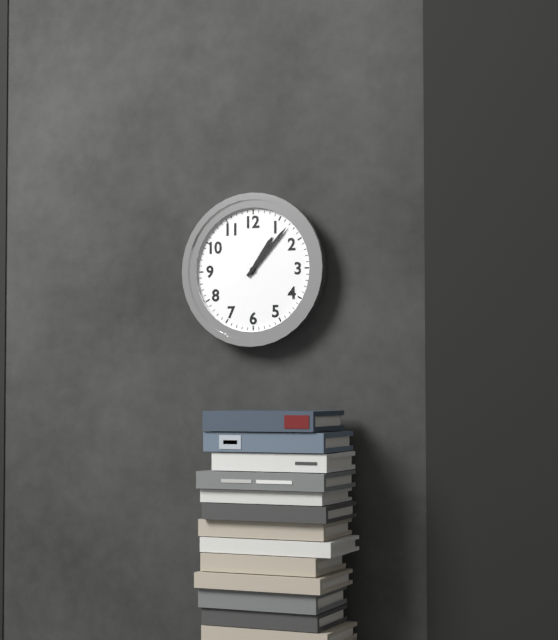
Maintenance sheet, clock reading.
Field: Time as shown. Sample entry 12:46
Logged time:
1:07
